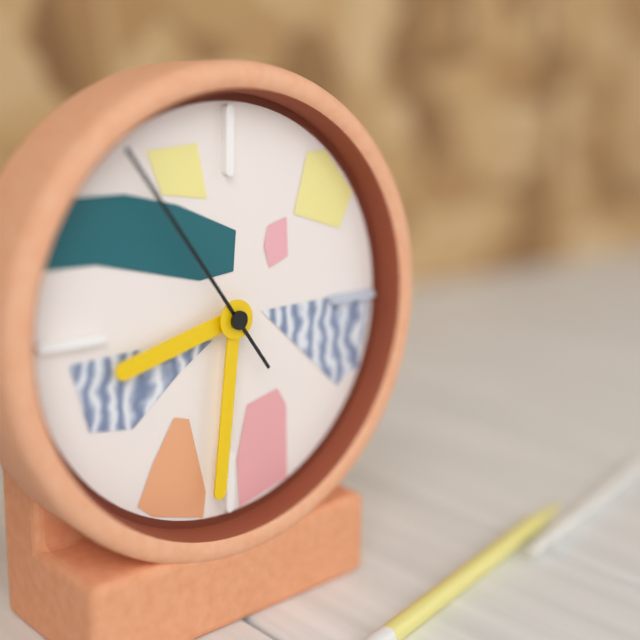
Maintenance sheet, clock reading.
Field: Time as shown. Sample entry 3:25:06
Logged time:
8:31:54
